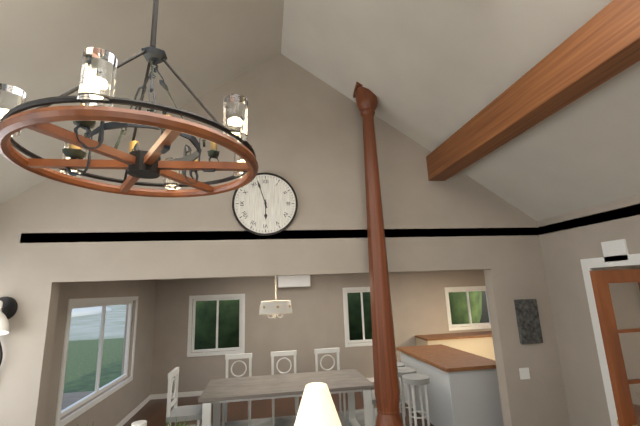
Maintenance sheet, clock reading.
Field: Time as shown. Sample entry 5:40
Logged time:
5:57
